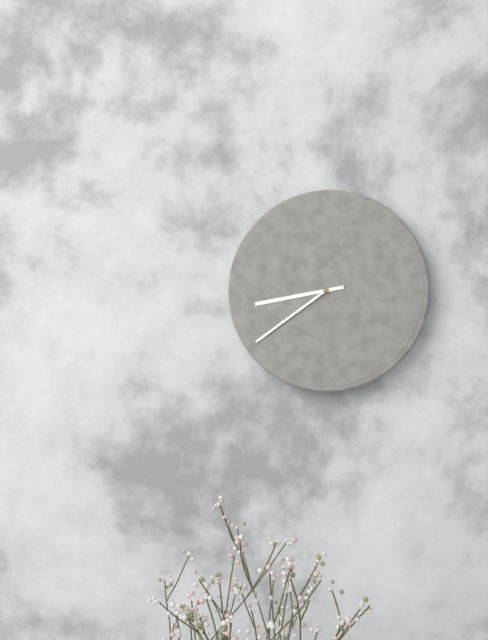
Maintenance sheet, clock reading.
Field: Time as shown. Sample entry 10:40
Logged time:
8:39
